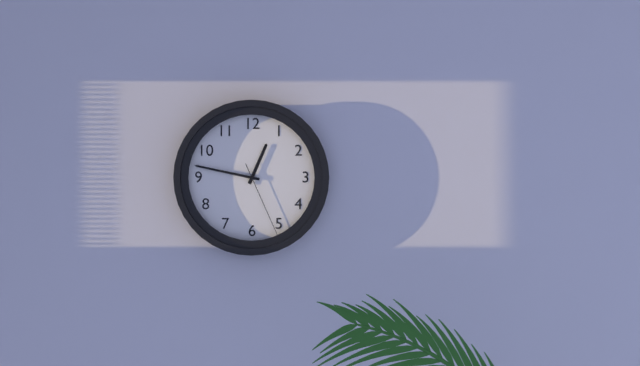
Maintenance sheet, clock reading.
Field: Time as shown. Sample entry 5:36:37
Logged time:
12:47:26
